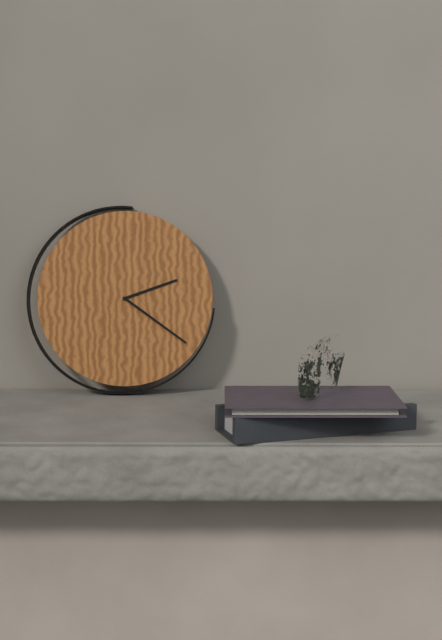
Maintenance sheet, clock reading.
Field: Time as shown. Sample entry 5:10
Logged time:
2:21
